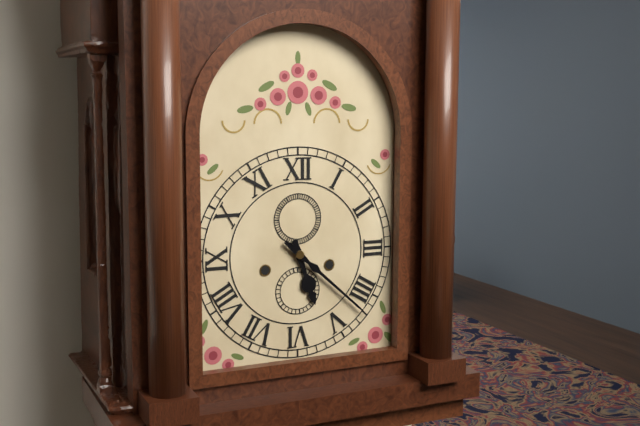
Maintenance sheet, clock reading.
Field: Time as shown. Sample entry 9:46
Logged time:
5:22
